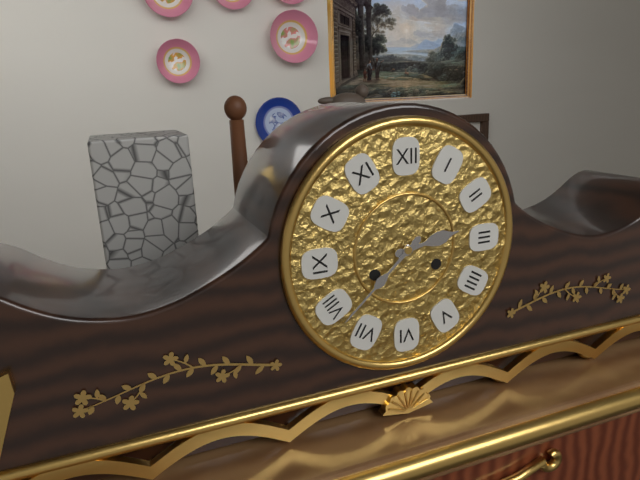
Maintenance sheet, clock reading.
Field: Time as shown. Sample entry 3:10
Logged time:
2:38
